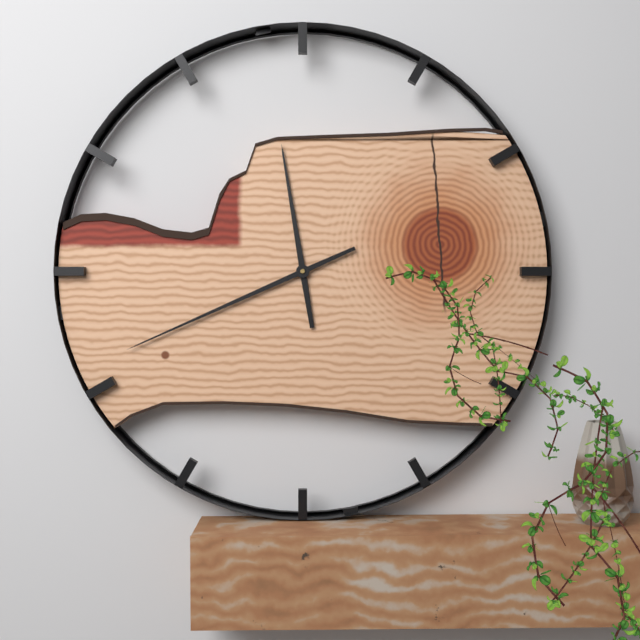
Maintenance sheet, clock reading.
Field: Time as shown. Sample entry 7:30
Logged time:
11:41
